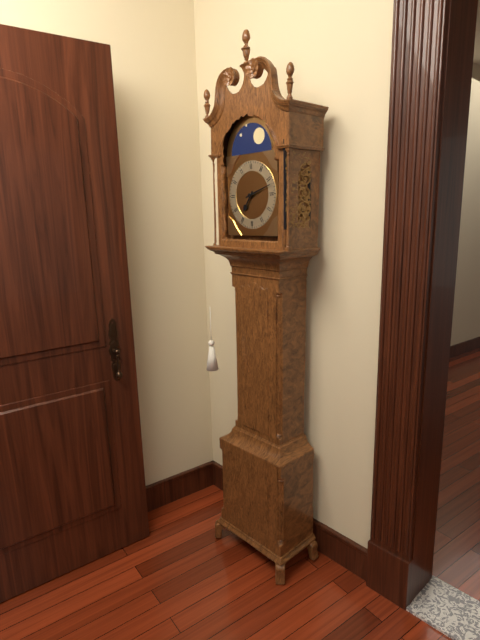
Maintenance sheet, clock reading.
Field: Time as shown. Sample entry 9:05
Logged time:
7:12
